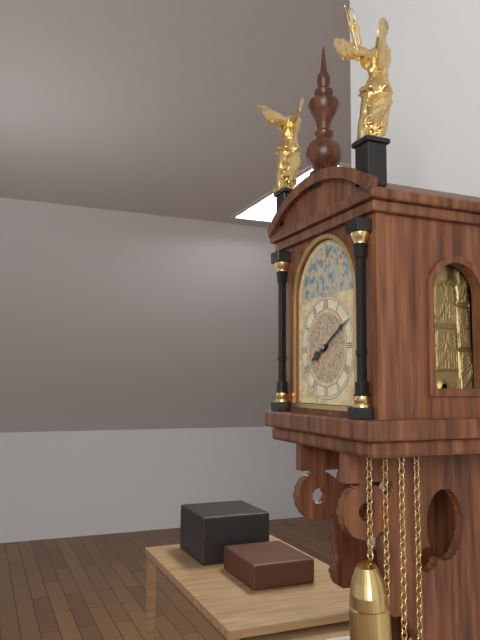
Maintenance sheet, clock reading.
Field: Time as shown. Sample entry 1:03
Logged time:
8:10
